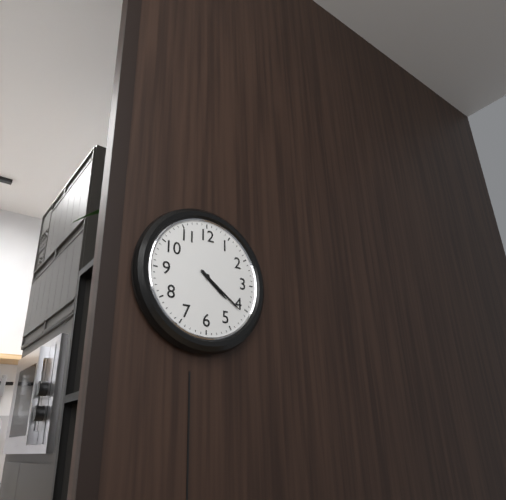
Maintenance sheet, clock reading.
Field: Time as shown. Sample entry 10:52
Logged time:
4:21
